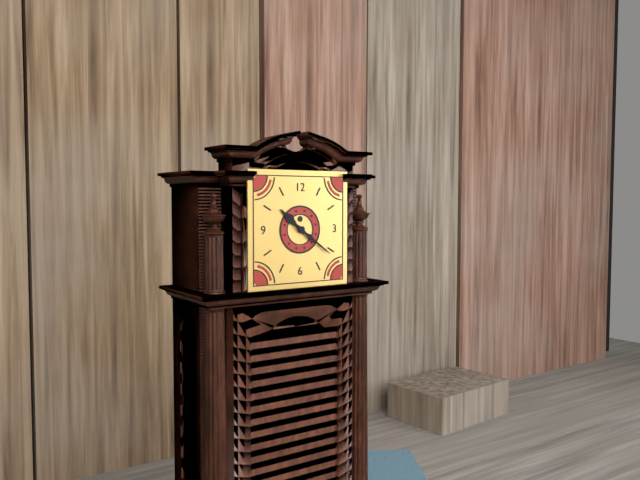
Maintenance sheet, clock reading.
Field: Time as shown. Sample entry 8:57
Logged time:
10:21
